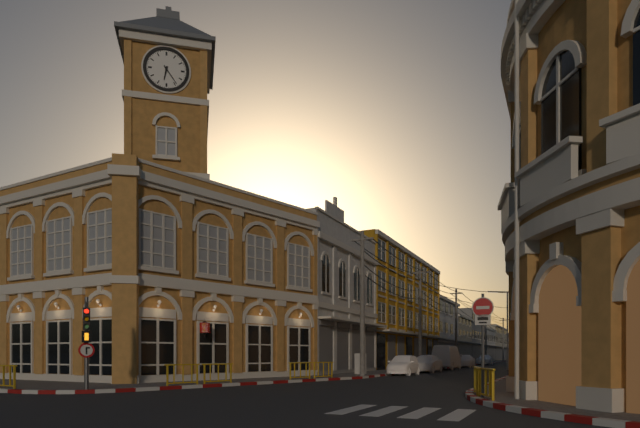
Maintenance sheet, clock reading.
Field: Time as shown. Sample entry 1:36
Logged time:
6:24
